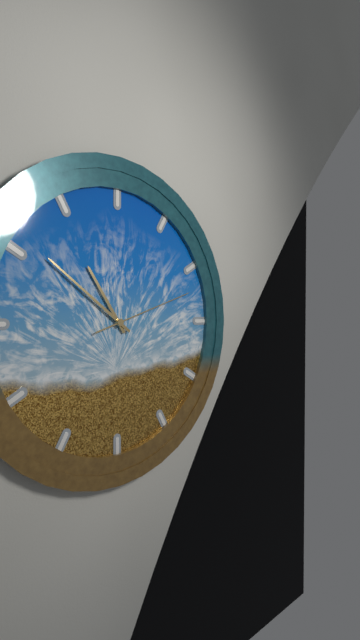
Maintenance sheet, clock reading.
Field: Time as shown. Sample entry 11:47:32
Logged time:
10:51:12
